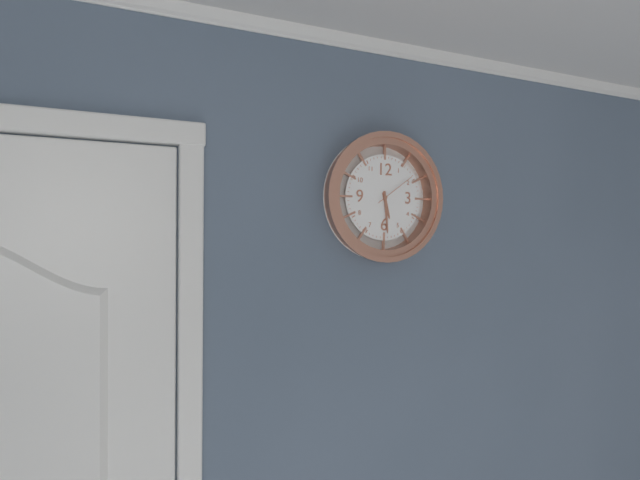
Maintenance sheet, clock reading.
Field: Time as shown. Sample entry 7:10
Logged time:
5:29
